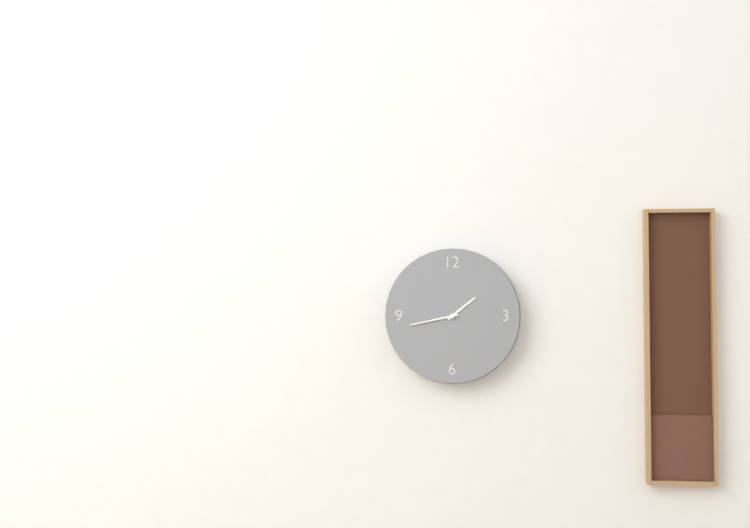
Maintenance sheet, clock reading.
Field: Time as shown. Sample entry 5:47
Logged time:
1:43
